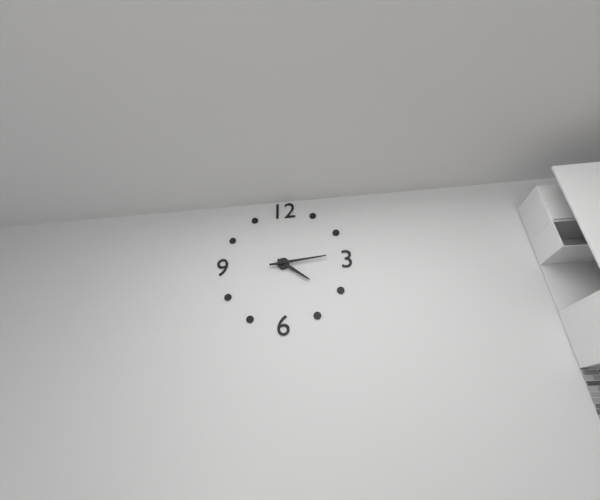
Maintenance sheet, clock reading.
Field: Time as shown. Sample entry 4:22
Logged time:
4:14
